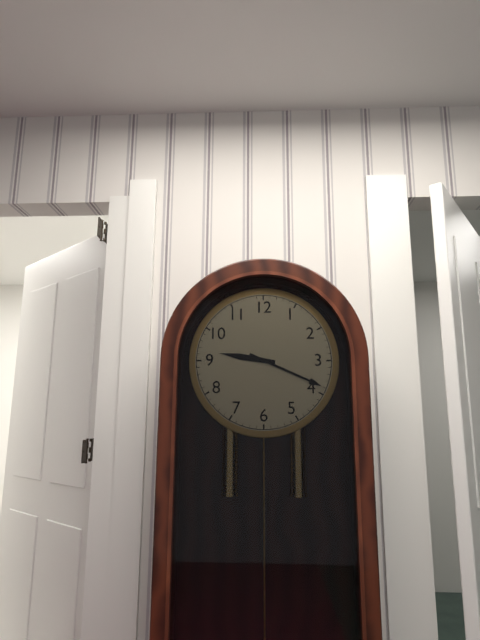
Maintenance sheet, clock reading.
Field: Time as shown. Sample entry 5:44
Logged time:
9:19
